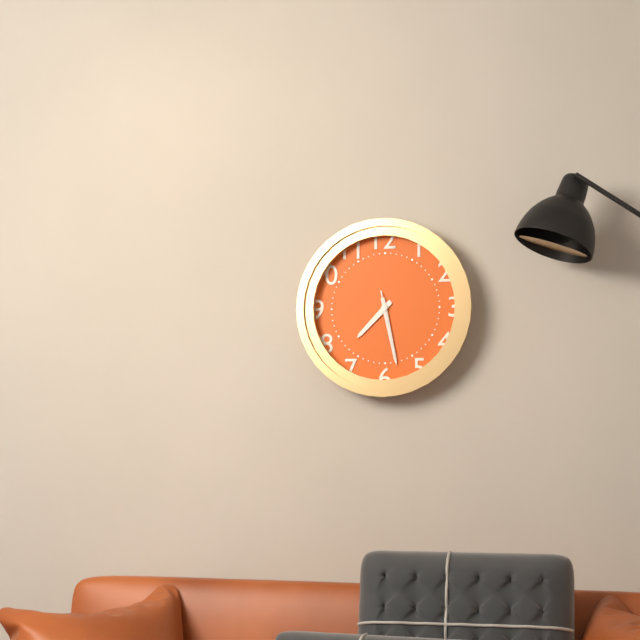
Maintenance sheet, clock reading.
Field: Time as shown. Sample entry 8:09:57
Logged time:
7:28:28
